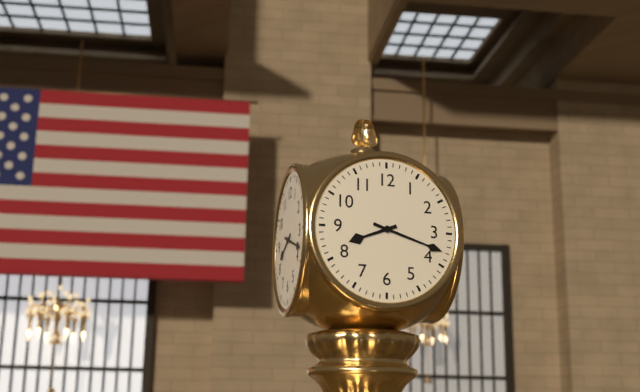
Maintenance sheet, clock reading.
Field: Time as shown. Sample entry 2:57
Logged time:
8:18
